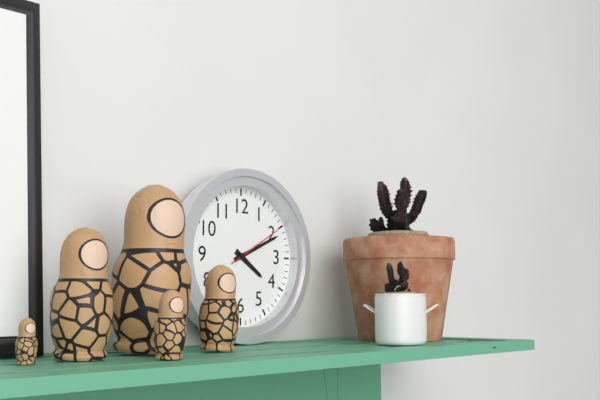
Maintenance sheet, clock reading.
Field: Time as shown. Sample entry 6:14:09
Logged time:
4:11:10
